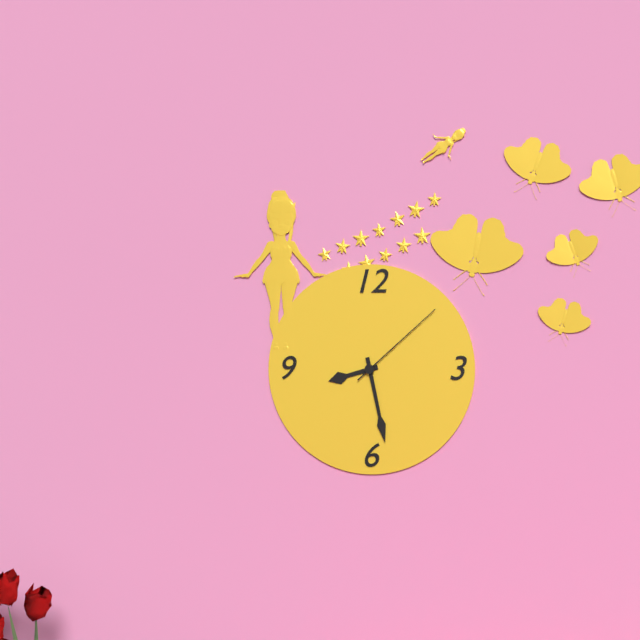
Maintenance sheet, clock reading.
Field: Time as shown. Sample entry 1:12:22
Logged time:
8:28:08
